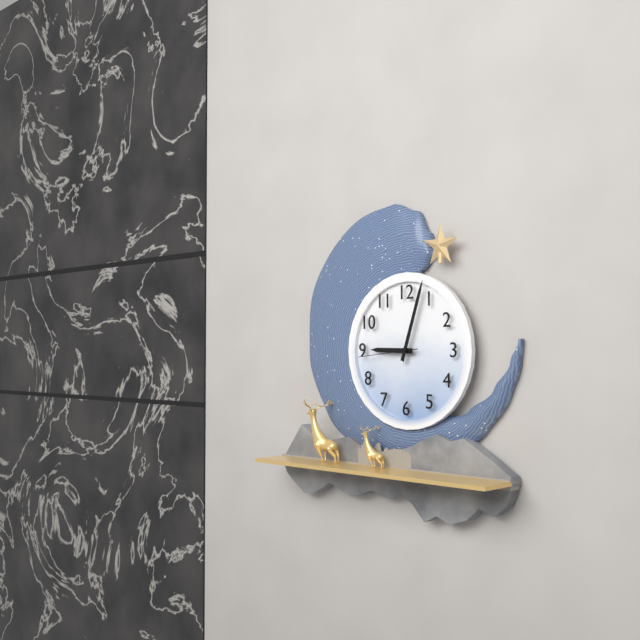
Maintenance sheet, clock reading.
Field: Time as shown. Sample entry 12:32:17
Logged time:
9:03:44
